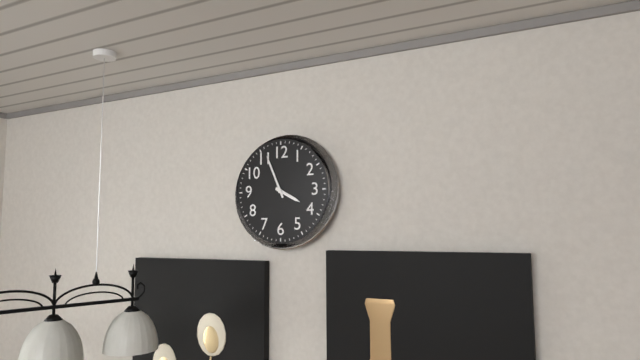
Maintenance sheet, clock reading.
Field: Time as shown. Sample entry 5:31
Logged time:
3:56
